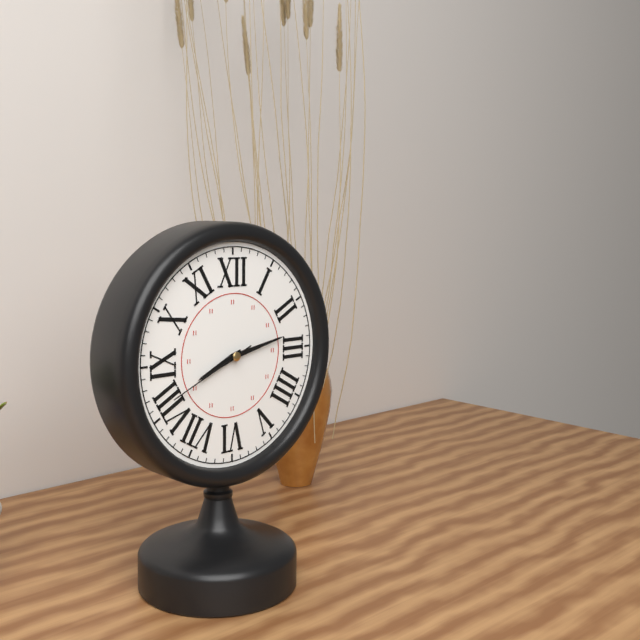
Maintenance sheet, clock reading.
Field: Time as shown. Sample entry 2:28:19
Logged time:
8:13:41
